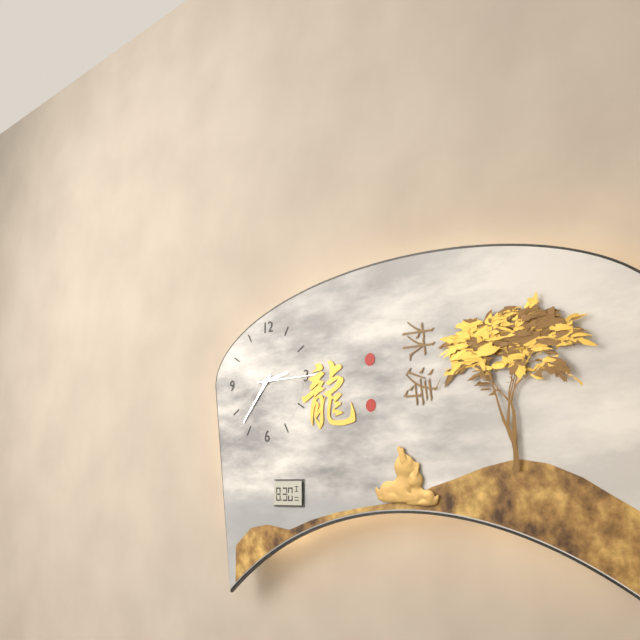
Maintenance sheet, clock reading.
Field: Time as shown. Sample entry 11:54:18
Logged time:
2:37:15
